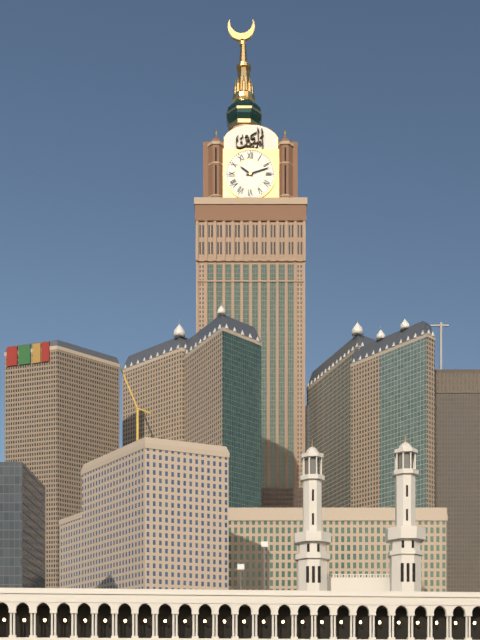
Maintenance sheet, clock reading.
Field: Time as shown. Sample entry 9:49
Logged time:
10:12
